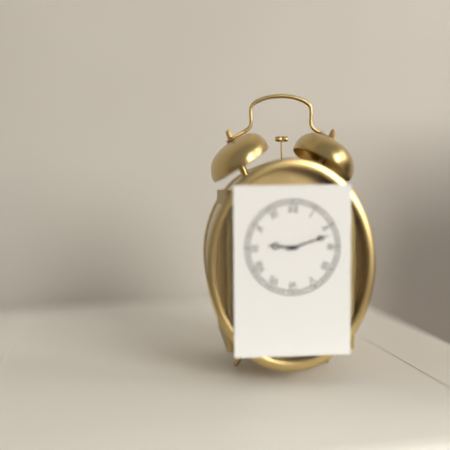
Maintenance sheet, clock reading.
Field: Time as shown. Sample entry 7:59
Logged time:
9:12
